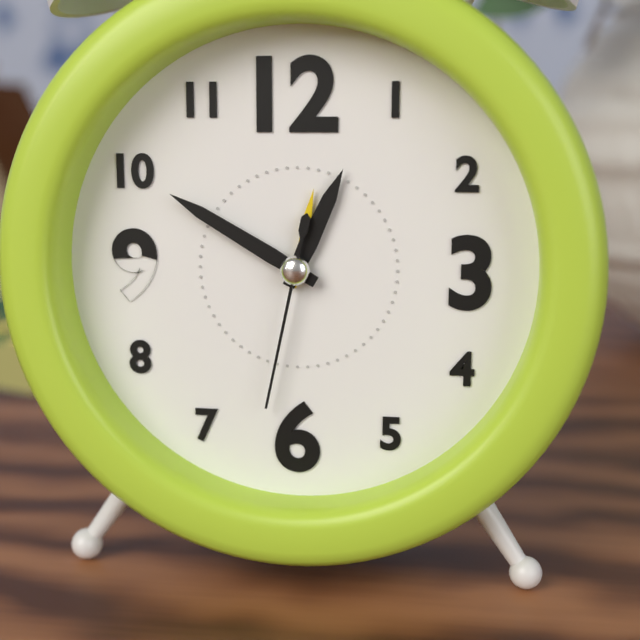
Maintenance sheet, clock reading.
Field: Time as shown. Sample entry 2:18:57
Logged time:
12:50:32
